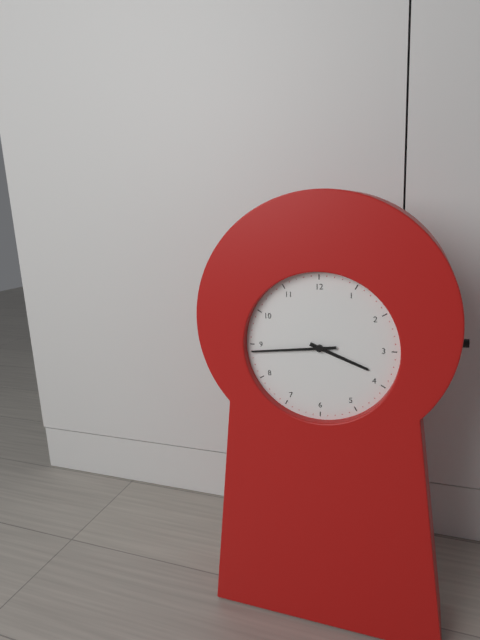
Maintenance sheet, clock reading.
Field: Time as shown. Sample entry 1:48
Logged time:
3:44
